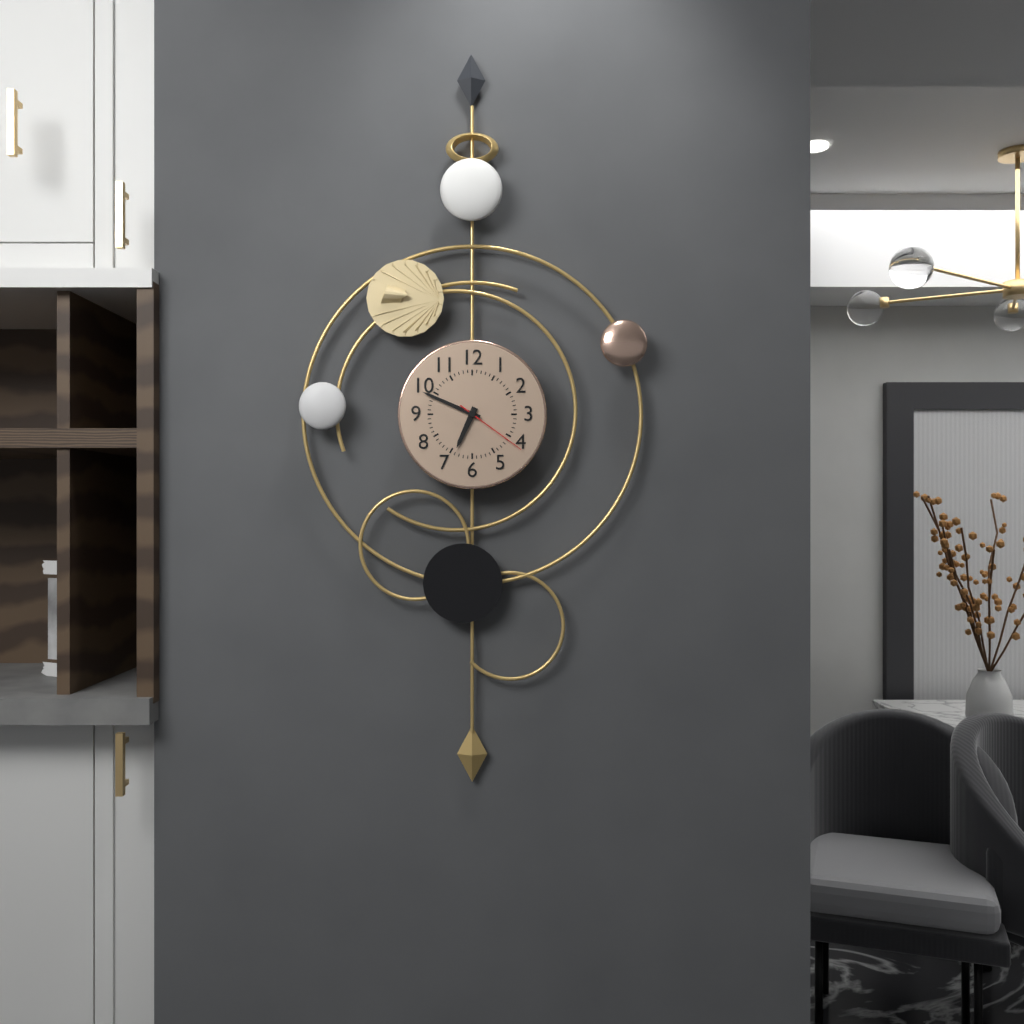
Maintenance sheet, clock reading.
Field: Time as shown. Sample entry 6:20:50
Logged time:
6:49:21
